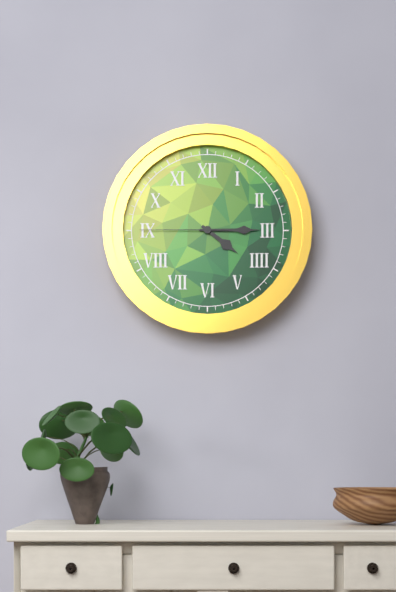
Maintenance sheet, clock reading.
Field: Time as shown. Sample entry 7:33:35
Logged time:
4:15:45
